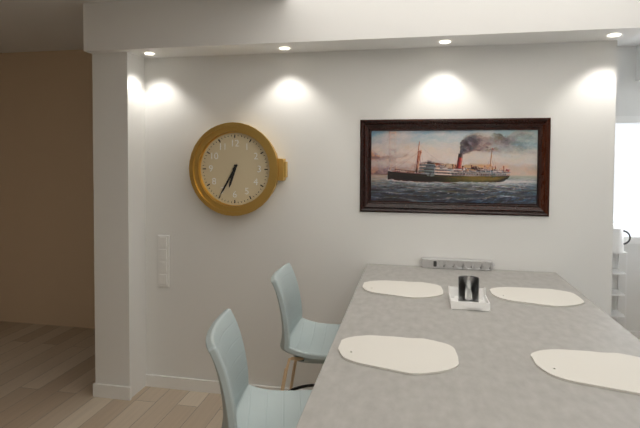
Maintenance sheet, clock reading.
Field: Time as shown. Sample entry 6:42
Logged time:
6:35
